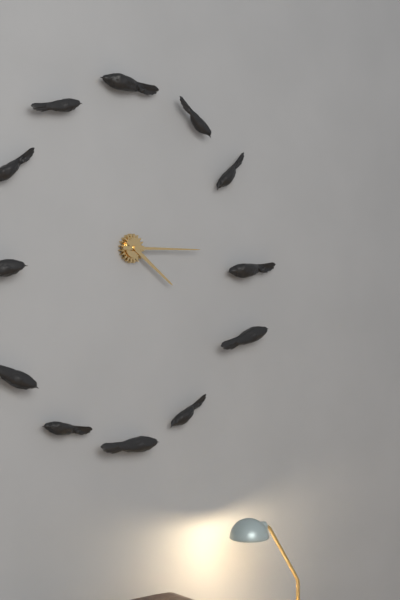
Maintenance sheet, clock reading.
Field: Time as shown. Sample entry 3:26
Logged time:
4:15
